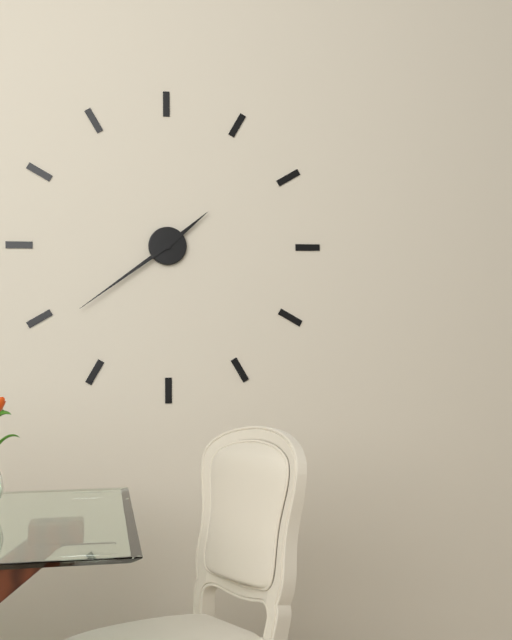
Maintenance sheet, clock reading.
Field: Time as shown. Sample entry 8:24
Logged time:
1:39
